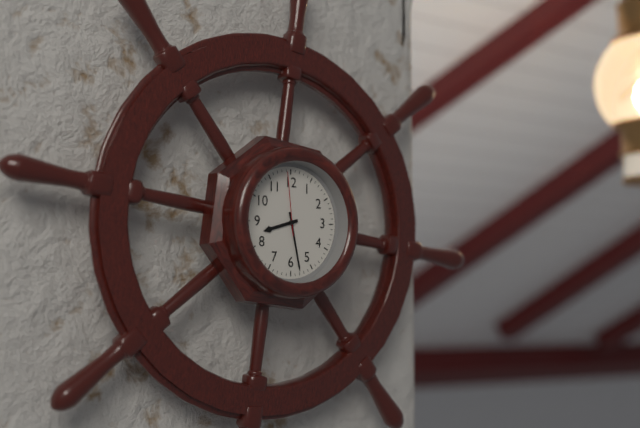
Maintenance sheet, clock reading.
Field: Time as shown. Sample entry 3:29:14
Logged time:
8:28:59
